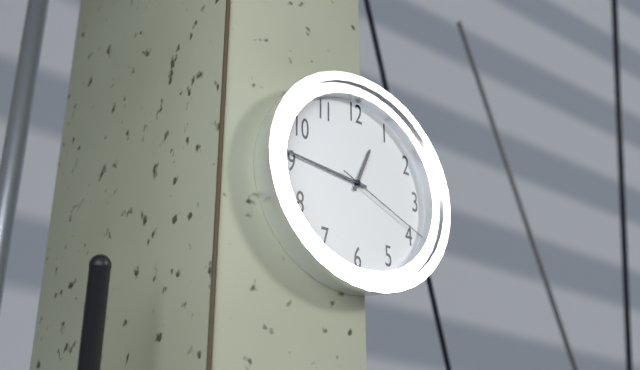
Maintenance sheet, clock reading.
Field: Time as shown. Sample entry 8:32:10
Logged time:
12:46:19
